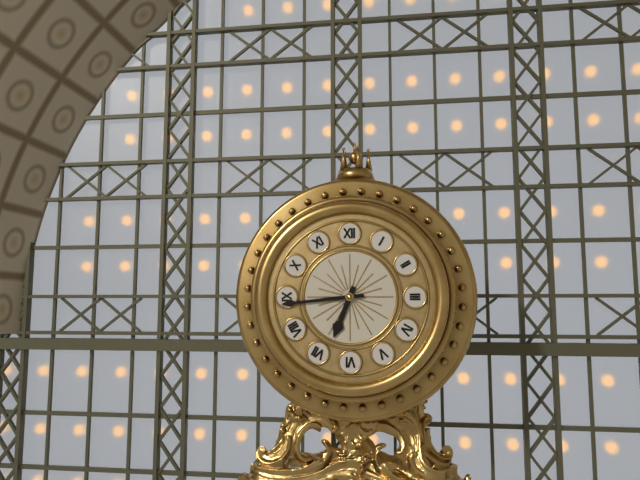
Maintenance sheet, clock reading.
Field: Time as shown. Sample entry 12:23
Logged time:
6:44
